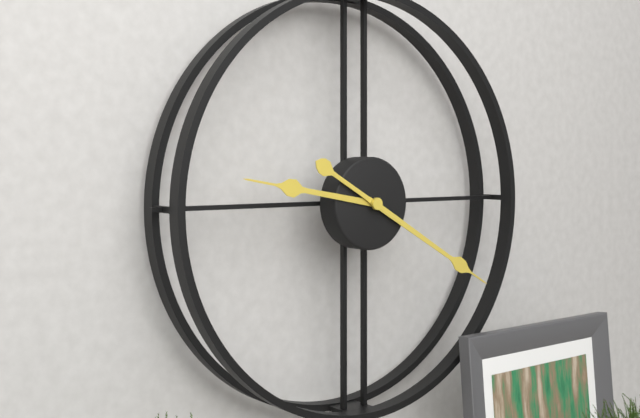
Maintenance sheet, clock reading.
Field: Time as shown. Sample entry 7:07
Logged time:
9:20
